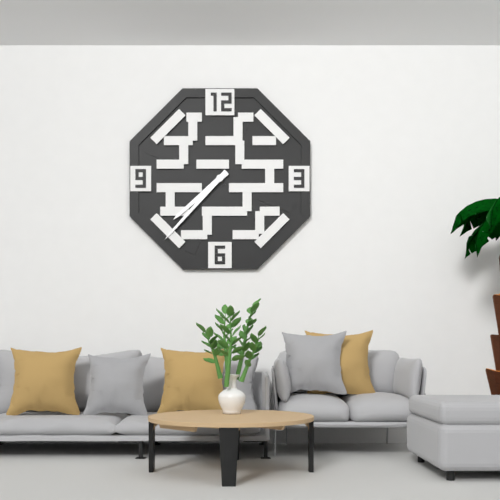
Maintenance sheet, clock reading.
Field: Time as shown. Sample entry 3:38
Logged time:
7:37
